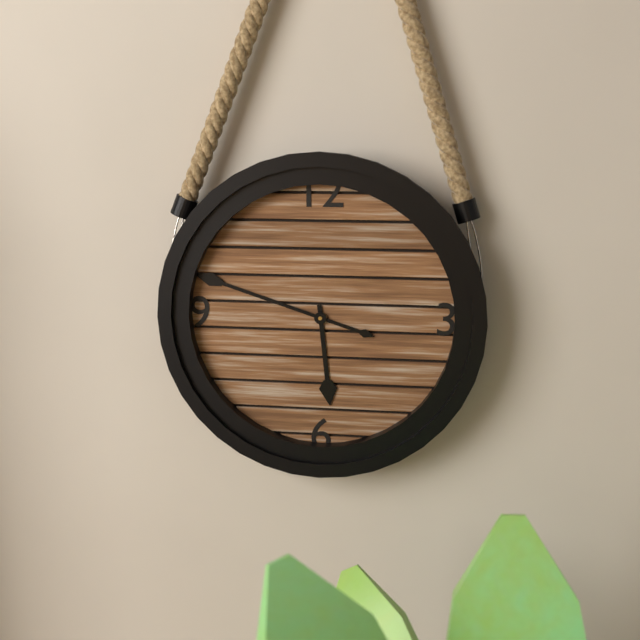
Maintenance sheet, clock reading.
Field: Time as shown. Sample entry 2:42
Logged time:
5:48
